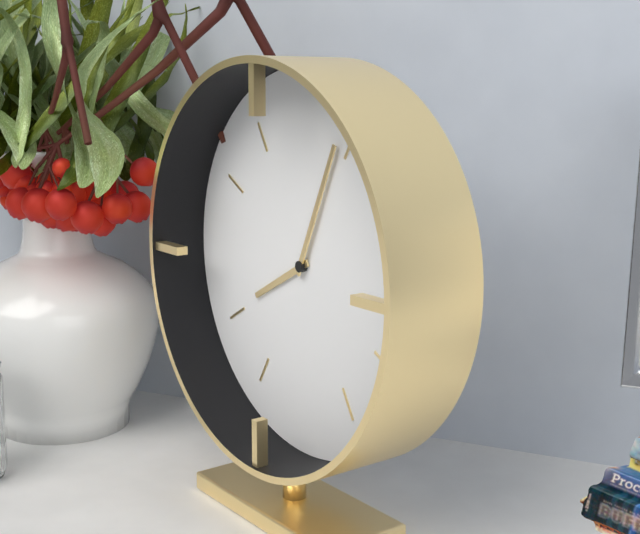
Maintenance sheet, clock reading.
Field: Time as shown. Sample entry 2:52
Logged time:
8:04
